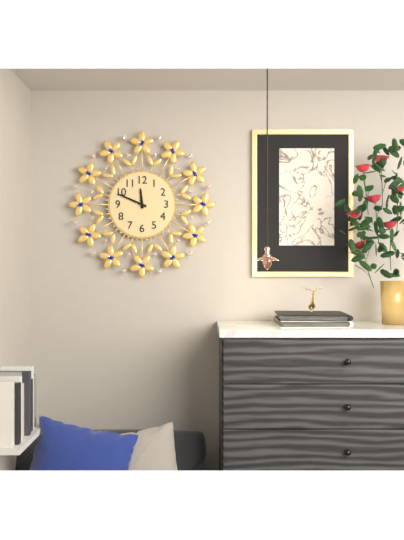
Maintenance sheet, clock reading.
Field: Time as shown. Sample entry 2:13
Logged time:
11:49
